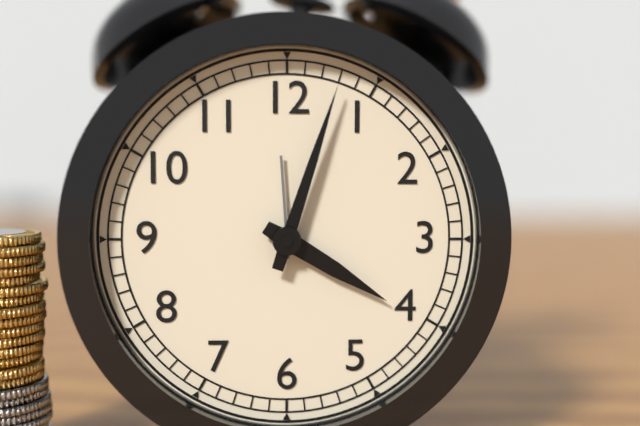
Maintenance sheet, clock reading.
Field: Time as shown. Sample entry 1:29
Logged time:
4:03
